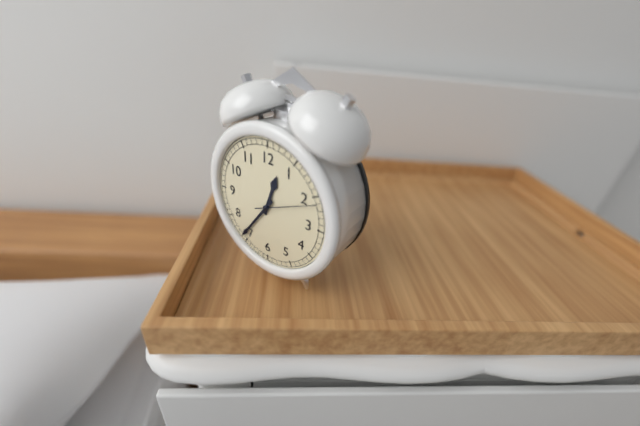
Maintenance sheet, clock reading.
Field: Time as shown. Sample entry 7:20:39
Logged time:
12:36:11
